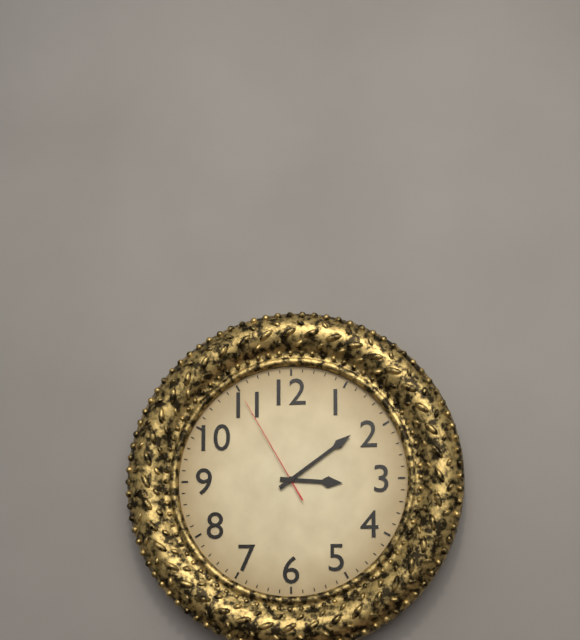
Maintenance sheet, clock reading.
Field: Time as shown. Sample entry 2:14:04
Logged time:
3:09:55
